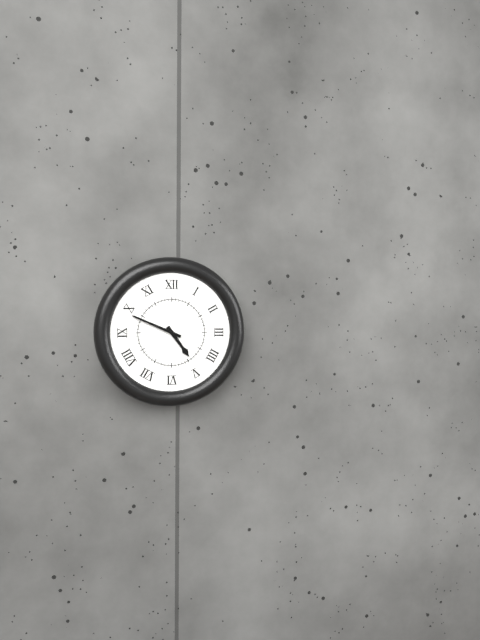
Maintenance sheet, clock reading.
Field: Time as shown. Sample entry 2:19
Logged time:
4:49
